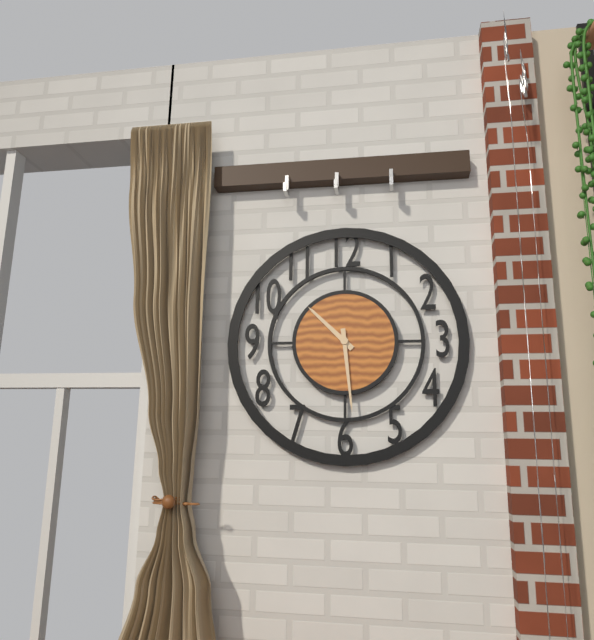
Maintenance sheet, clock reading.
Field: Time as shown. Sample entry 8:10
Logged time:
10:29
